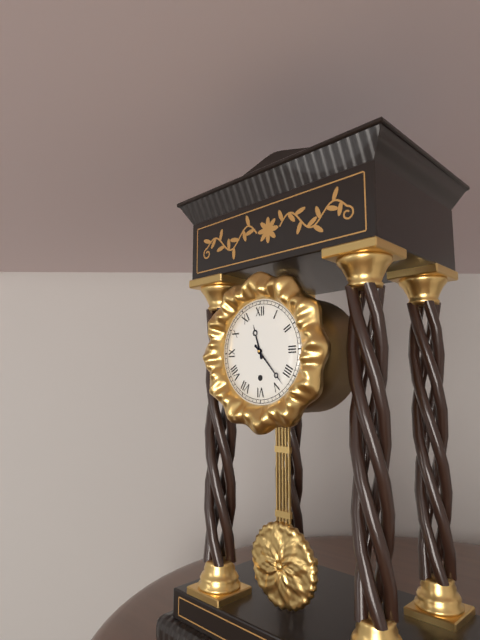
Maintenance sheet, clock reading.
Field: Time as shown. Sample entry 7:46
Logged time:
11:23
